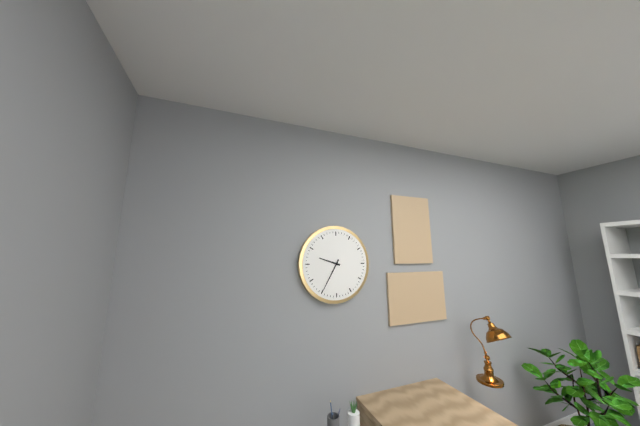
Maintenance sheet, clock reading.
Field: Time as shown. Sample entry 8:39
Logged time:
9:35
